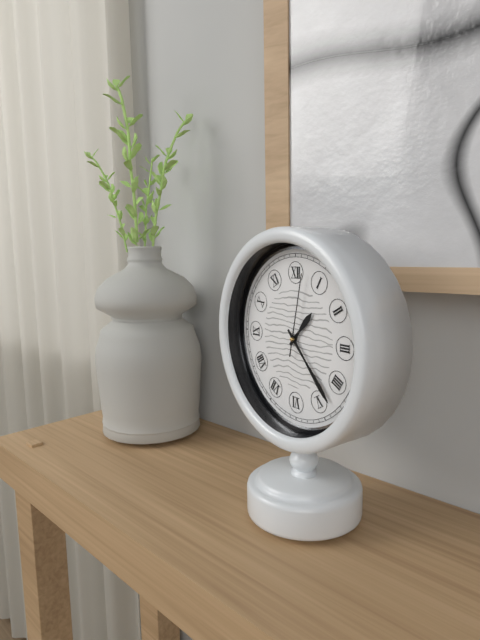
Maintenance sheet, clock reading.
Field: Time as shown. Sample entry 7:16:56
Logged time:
1:23:02
